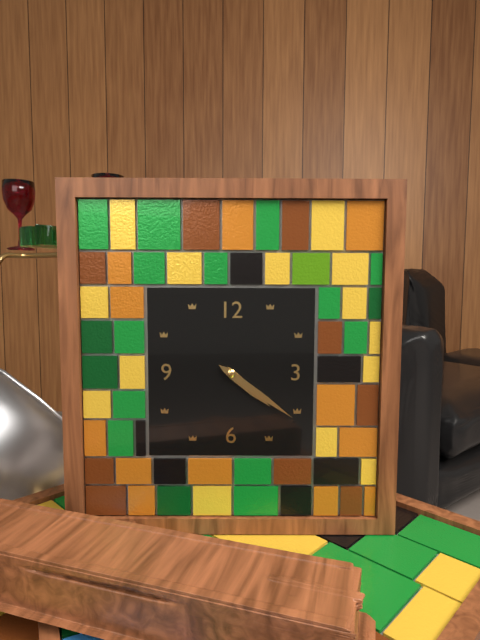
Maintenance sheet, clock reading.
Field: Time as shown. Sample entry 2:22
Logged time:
4:21
